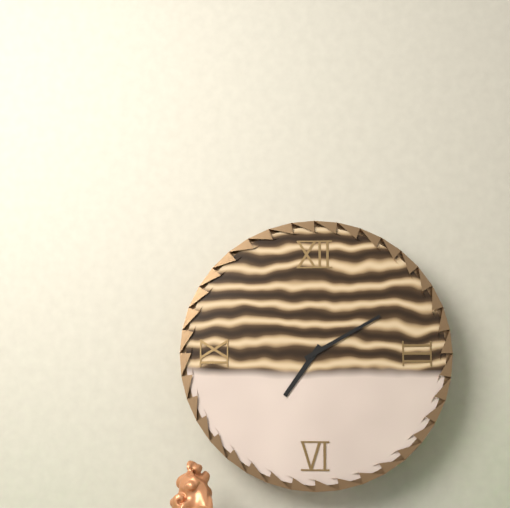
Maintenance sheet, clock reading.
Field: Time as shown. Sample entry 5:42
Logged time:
7:10
